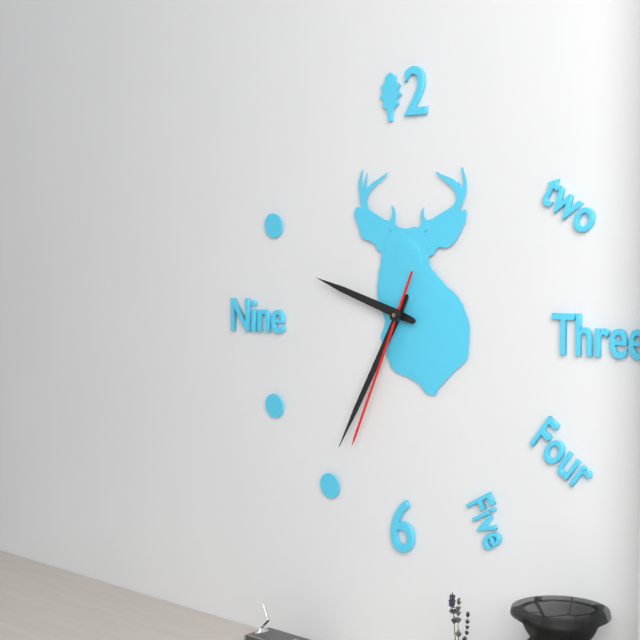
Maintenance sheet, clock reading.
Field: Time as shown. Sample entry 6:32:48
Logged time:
9:35:34
